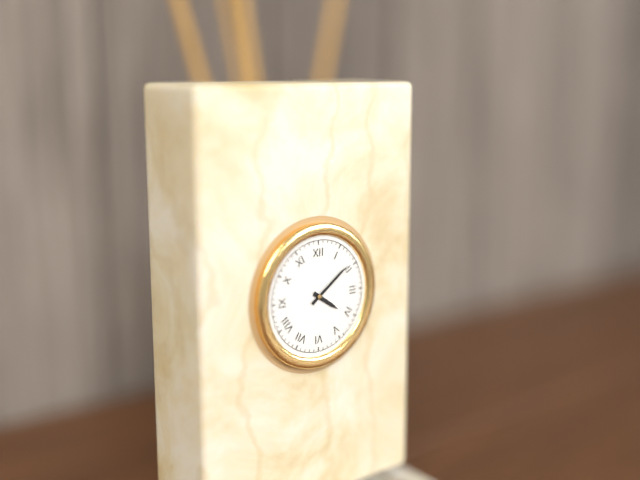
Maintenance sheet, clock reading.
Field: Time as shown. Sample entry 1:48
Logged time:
4:09
